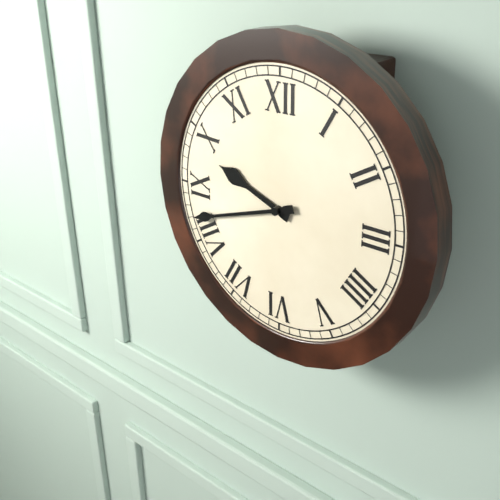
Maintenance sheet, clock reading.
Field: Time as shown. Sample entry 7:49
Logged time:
9:42
